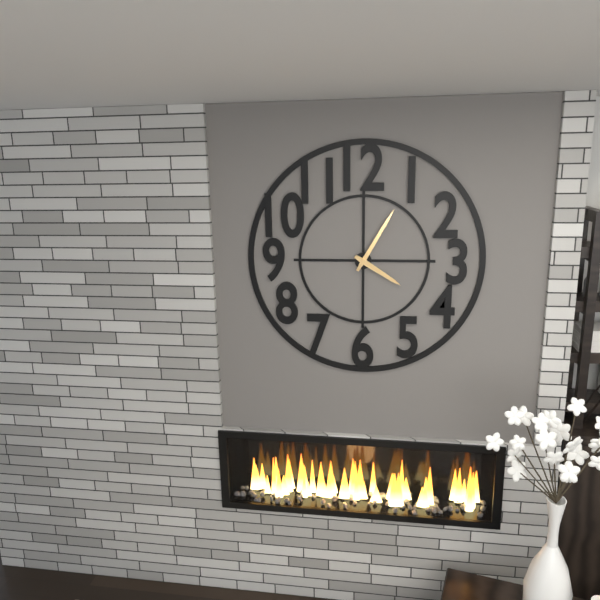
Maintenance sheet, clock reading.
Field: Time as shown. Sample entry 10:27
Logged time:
4:05
